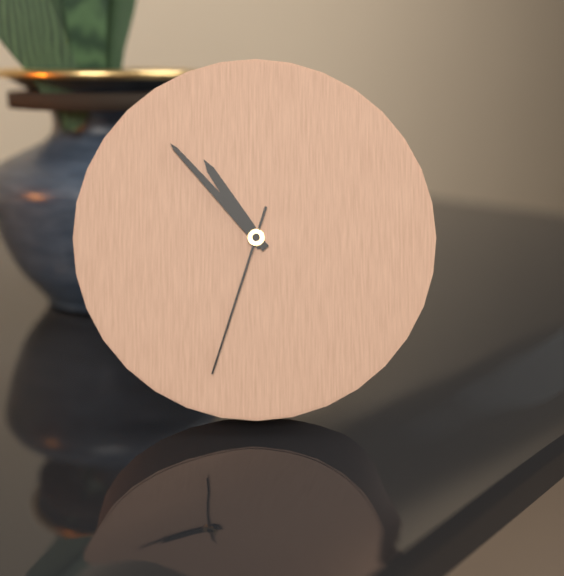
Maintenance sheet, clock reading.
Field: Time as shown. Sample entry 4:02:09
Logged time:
10:53:33
